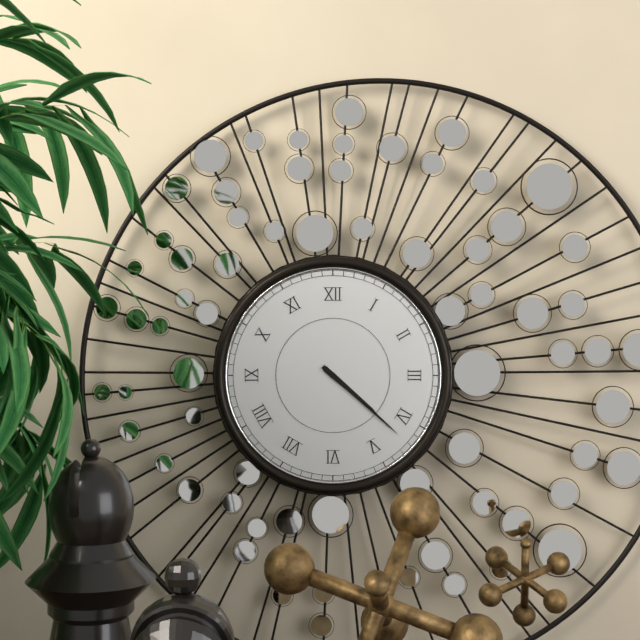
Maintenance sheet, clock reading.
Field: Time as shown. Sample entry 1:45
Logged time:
4:22
